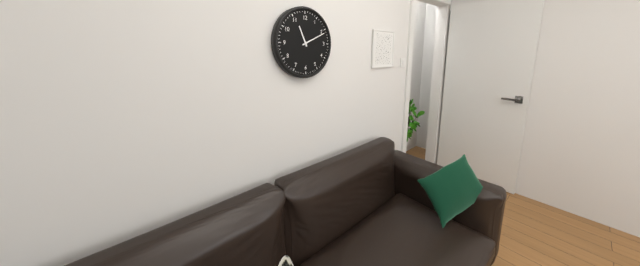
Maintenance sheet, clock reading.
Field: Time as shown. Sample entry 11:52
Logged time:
11:11
